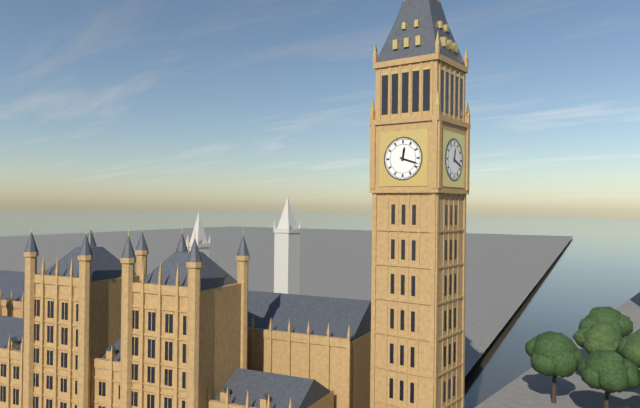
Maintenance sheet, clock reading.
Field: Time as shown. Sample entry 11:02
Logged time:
12:18
